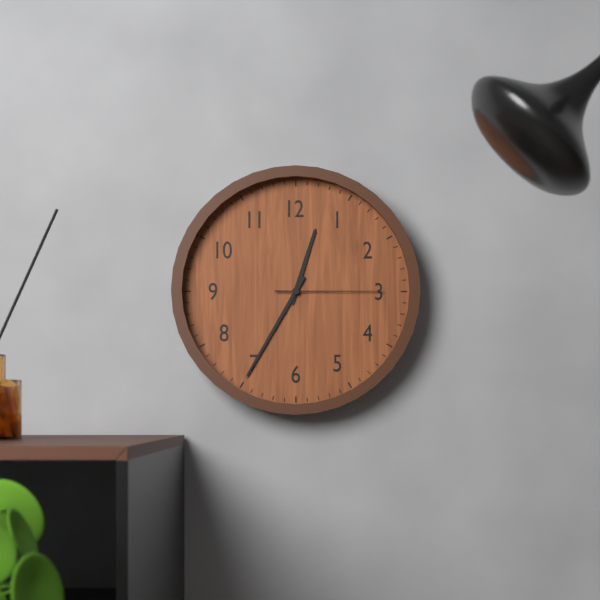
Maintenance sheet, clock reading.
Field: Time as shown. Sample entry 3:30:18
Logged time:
12:35:15
